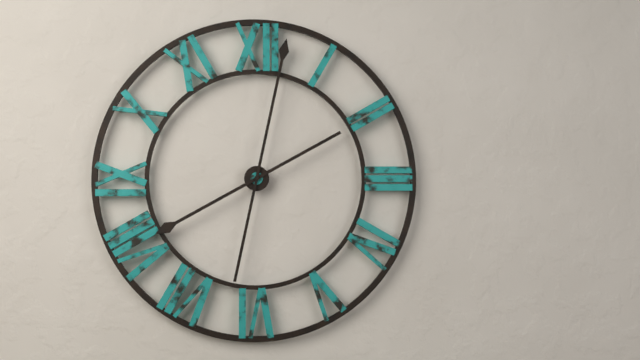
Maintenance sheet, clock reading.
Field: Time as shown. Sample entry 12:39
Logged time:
8:02
